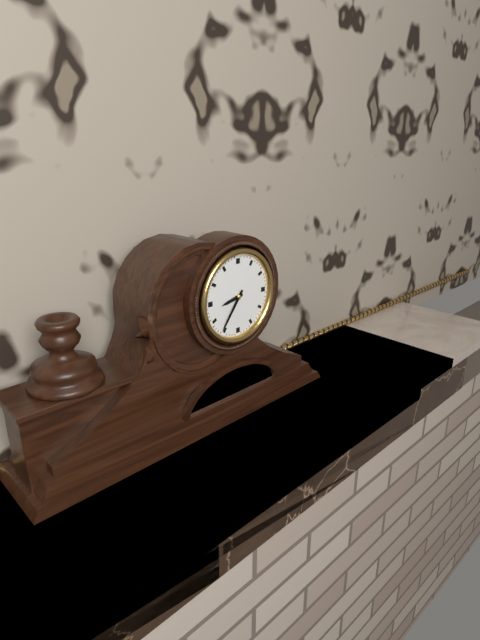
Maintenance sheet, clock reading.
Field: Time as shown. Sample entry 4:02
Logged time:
8:36
